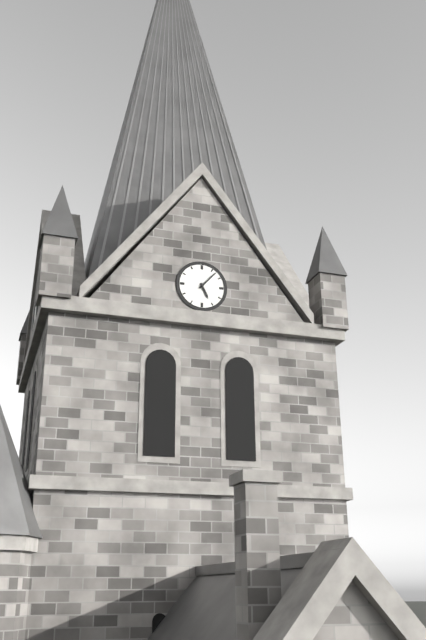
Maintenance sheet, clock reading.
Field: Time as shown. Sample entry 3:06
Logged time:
5:07
